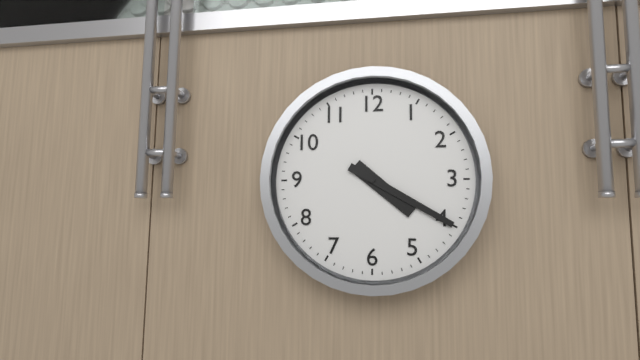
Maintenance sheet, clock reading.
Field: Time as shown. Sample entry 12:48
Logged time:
4:20
